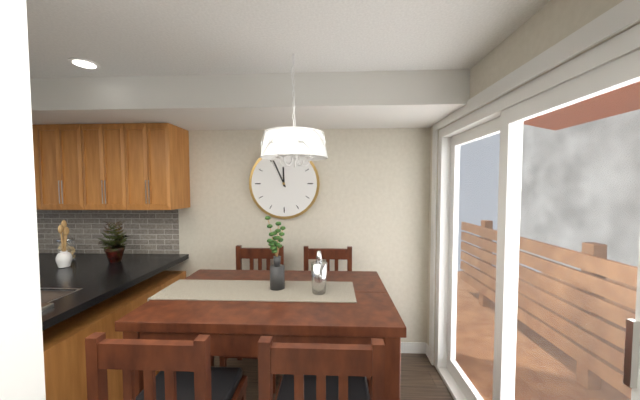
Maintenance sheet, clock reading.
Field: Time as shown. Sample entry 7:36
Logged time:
11:56
